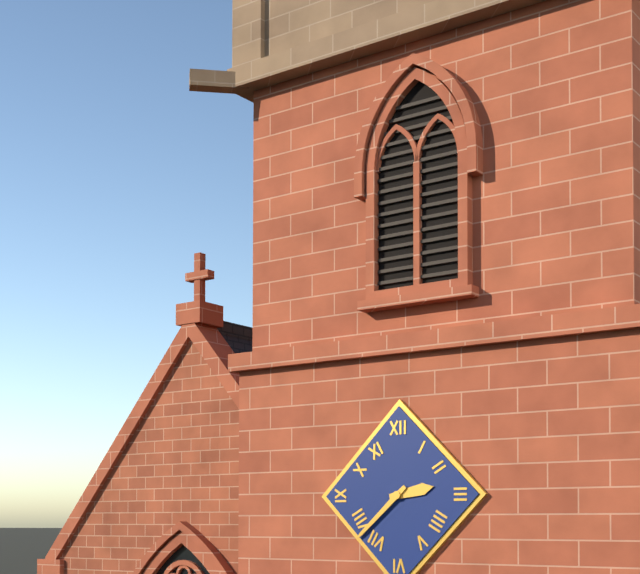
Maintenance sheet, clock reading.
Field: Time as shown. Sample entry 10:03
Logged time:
2:38
